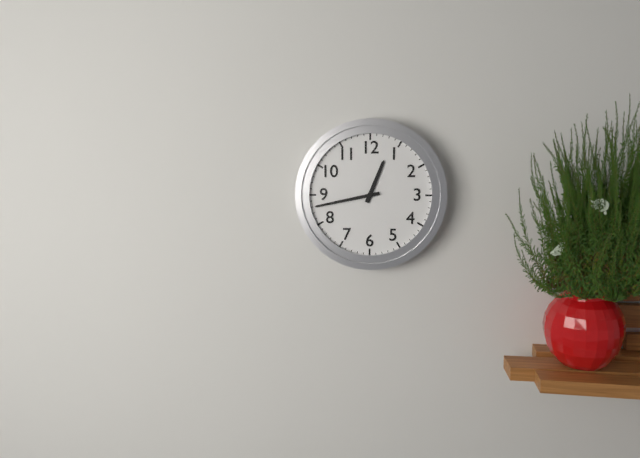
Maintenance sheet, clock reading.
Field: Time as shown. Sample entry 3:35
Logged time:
12:43
